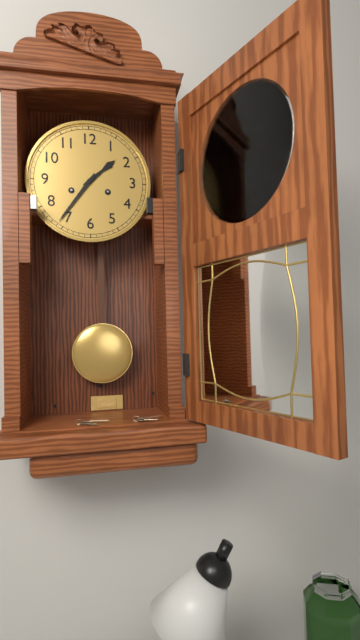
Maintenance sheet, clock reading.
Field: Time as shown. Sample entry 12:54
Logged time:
1:36
